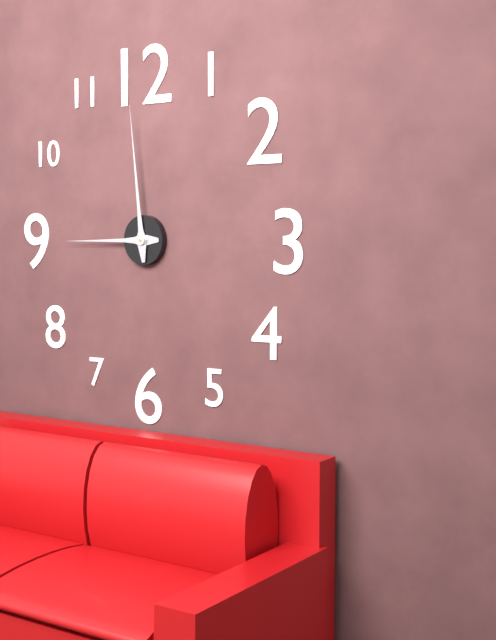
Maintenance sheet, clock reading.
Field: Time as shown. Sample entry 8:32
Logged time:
8:59
